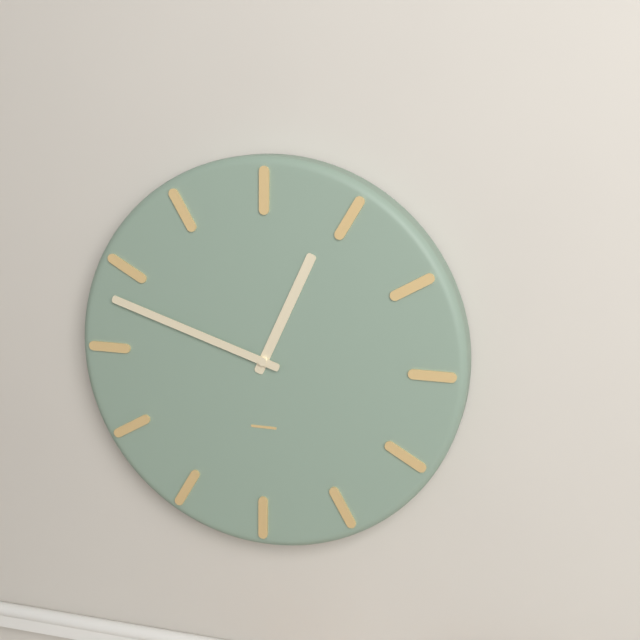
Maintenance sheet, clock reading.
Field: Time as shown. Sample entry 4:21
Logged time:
12:48
